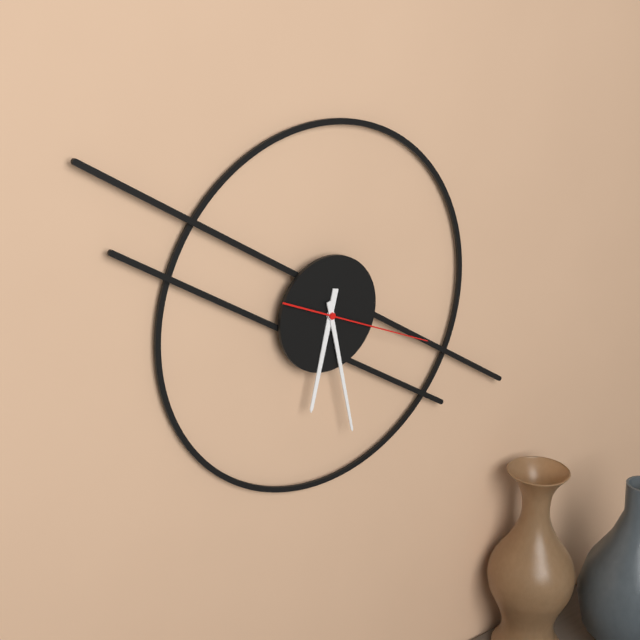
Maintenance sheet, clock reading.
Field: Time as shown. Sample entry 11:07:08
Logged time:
6:28:19
